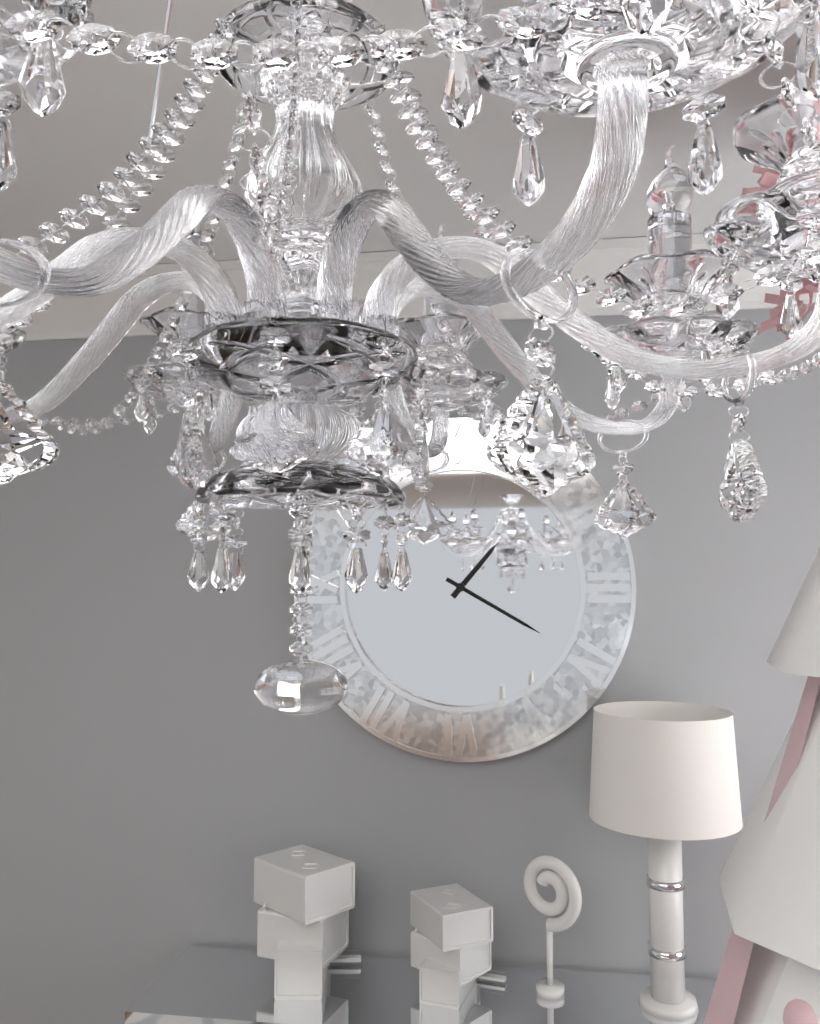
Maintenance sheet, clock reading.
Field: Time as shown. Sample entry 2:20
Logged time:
1:20
